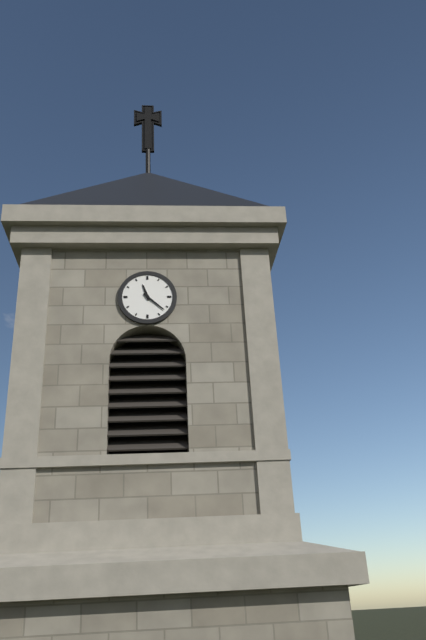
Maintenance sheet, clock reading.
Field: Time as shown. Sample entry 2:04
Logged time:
11:22
